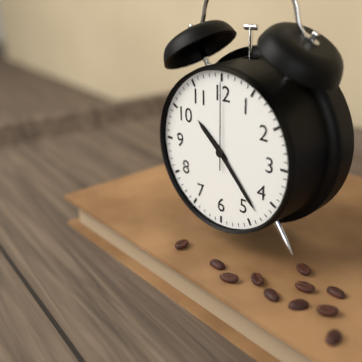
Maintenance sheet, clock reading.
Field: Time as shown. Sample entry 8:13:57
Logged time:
10:23:00
